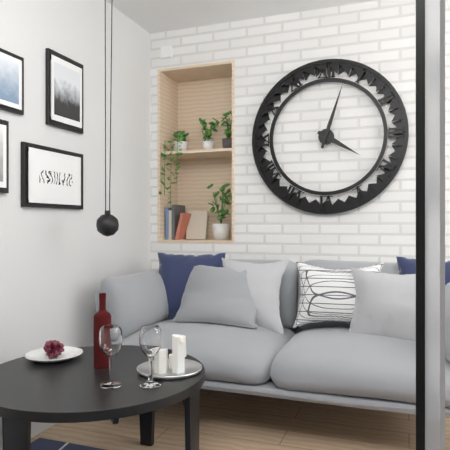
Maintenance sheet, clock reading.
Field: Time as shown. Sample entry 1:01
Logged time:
4:03
